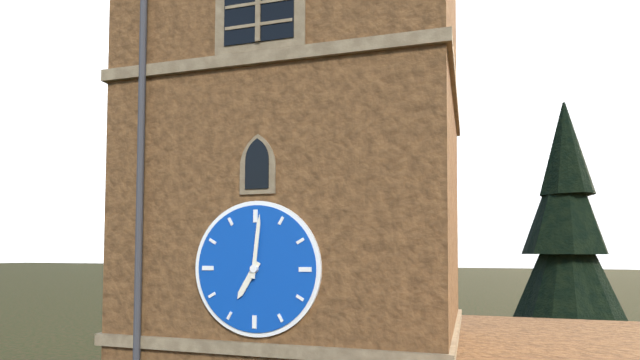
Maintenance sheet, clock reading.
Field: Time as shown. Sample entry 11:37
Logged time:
7:01
